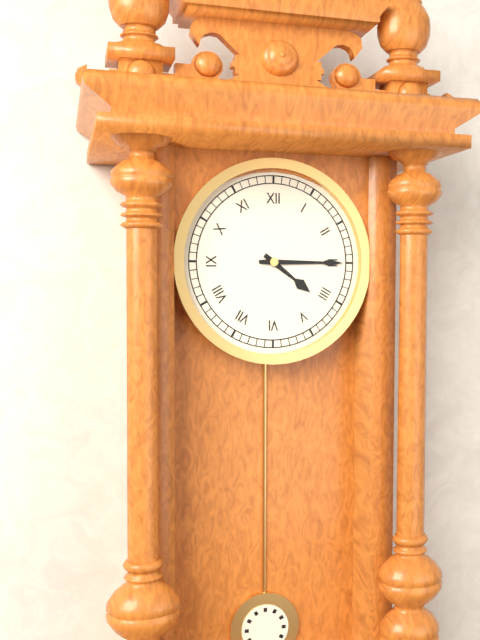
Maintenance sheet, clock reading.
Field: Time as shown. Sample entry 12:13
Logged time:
4:15
